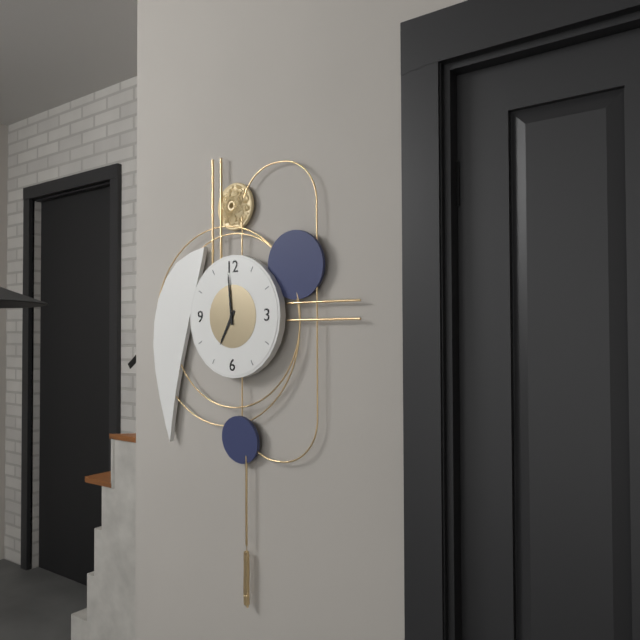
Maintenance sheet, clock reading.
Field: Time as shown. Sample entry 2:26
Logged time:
6:59
